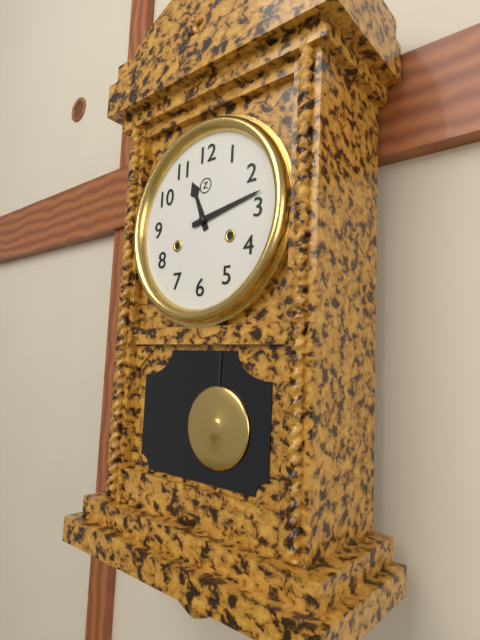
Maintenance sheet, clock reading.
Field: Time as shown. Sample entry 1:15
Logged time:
11:13
